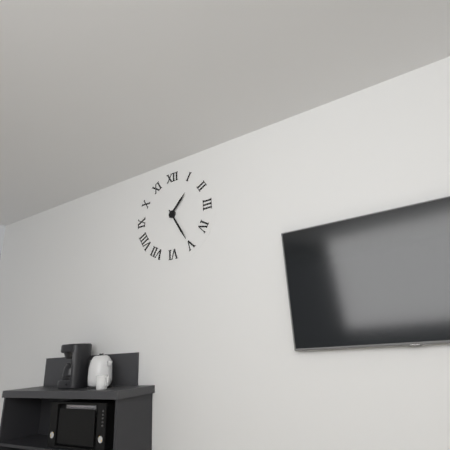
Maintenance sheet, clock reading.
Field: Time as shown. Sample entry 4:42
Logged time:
1:25
